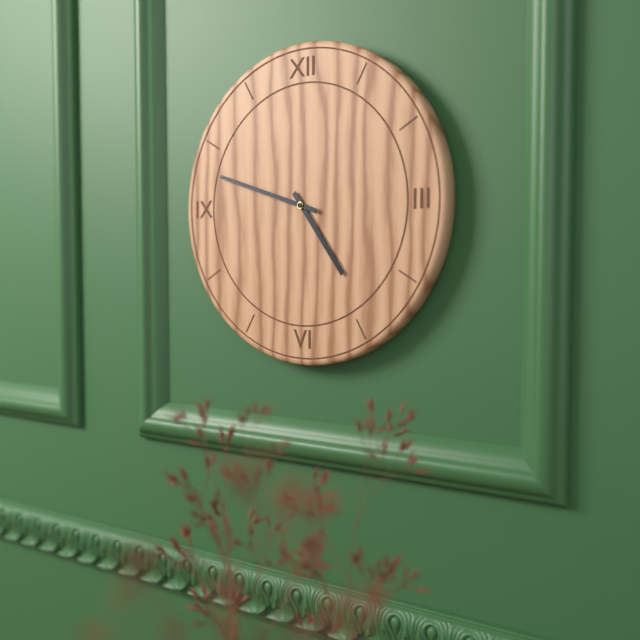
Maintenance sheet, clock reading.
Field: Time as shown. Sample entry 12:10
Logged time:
4:48
